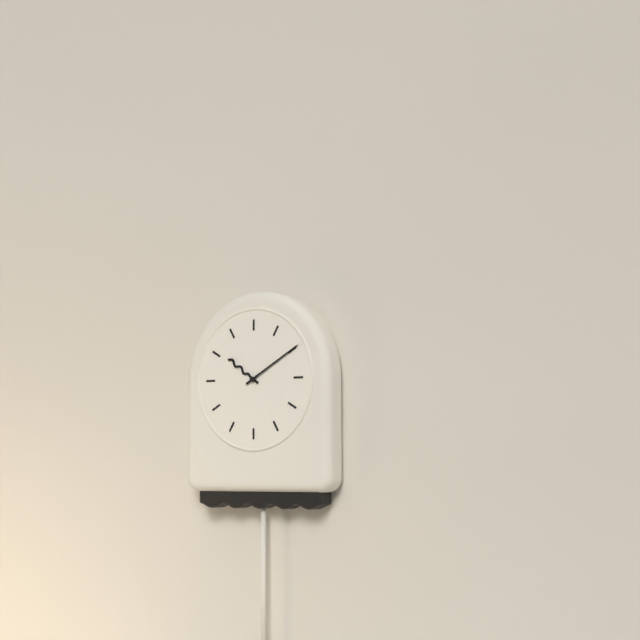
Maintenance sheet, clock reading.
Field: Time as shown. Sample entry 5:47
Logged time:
10:10
